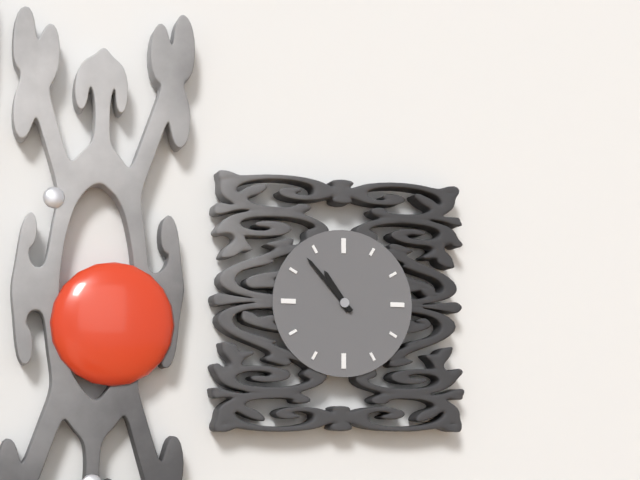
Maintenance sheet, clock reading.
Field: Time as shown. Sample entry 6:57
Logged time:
10:53
